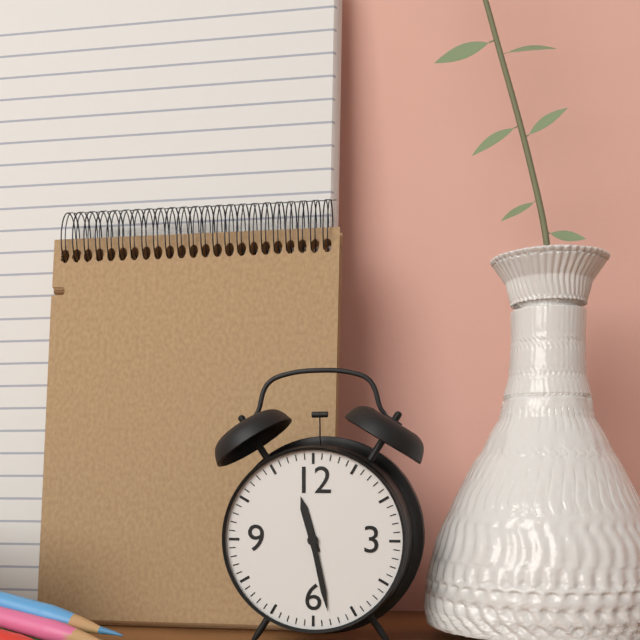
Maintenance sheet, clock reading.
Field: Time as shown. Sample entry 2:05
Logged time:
11:28
